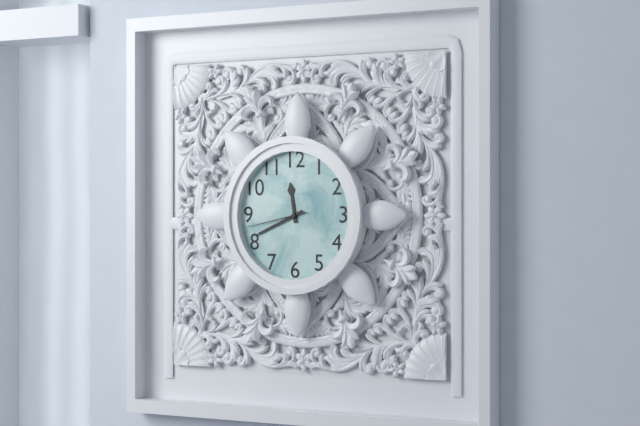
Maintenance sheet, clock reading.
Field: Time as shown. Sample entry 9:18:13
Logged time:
11:41:43
